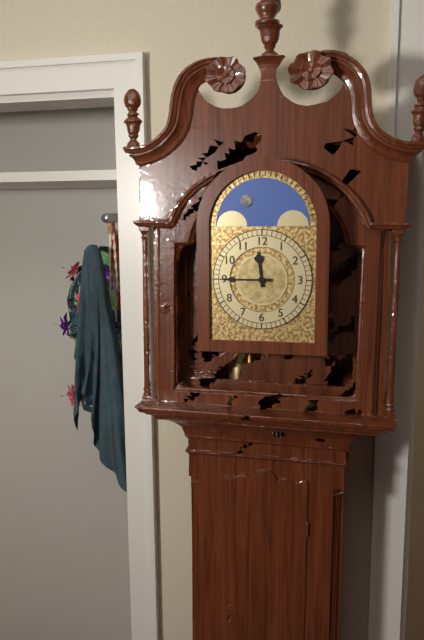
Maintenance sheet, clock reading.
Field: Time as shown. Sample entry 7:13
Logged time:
11:45
